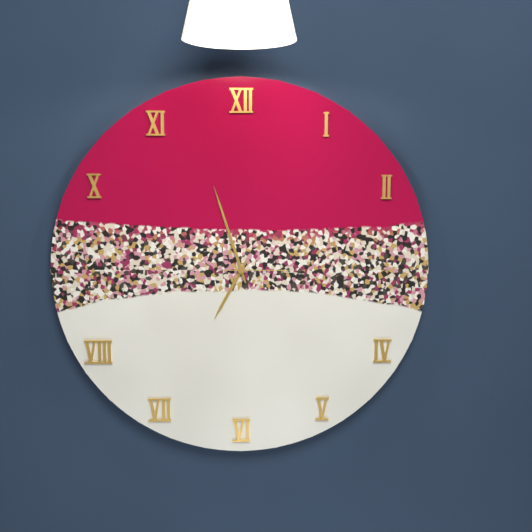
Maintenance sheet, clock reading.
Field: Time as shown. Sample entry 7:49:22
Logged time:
6:57:15
